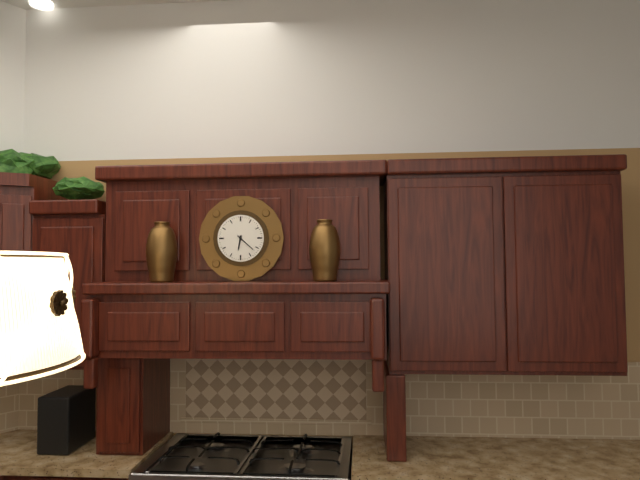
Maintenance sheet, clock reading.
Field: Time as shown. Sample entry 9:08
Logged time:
6:22
